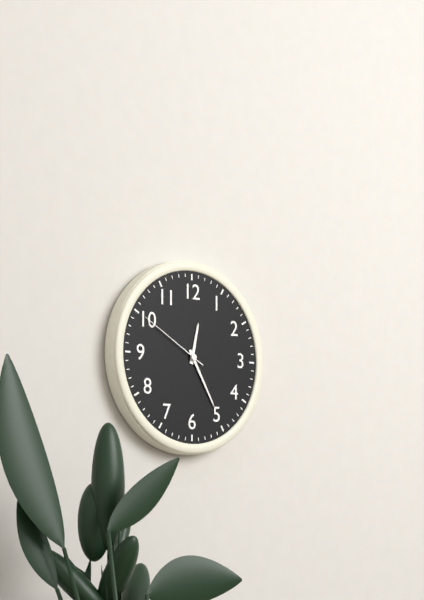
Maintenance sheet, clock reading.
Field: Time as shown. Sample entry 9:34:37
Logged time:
12:25:50
